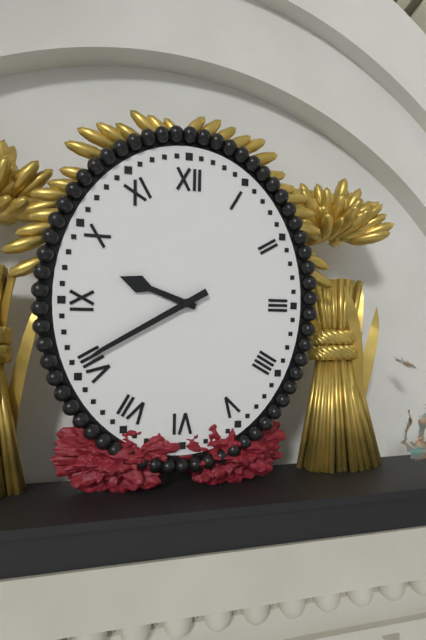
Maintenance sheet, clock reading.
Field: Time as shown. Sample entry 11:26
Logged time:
9:40
